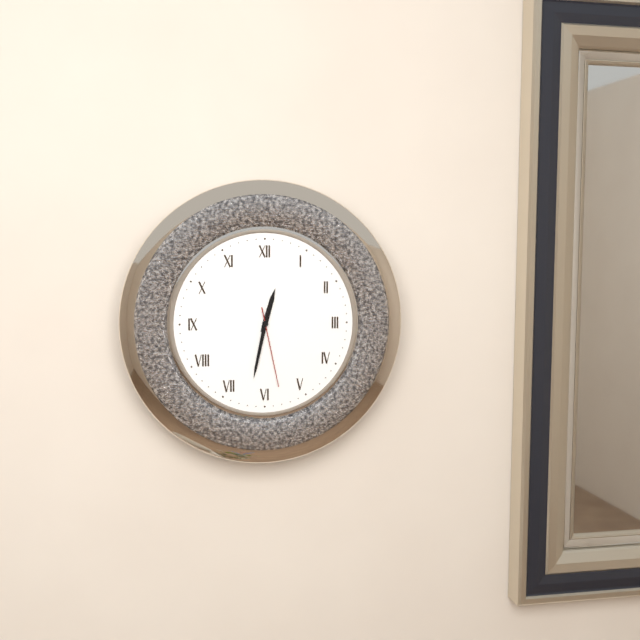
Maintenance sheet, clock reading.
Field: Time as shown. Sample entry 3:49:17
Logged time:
12:32:28
